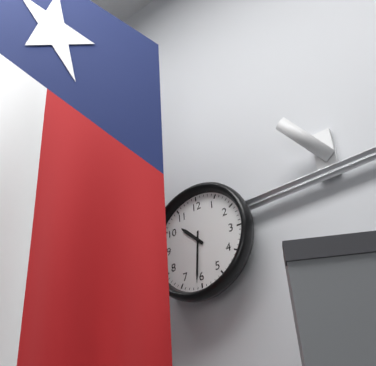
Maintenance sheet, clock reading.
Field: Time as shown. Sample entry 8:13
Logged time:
10:31
